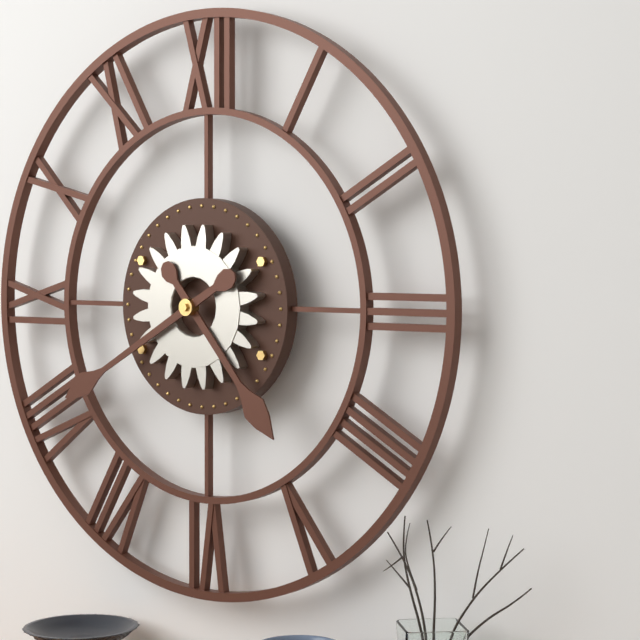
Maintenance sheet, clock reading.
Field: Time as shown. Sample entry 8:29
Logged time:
4:40
